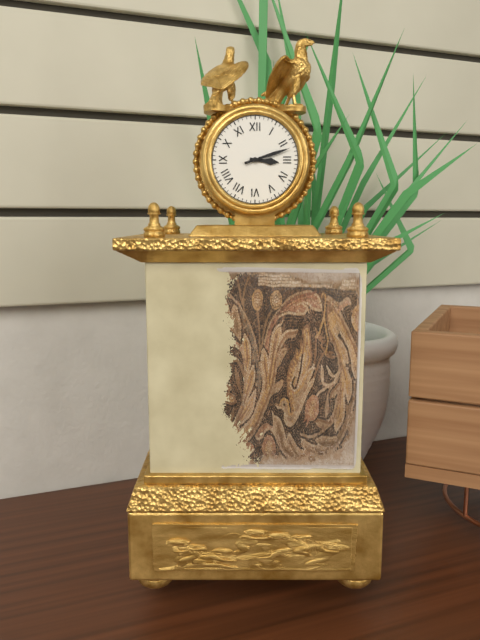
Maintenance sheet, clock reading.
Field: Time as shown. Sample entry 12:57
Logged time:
3:12
